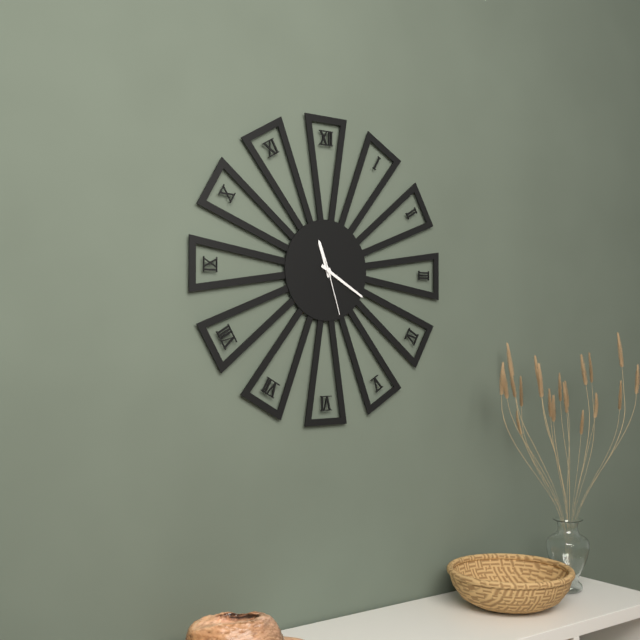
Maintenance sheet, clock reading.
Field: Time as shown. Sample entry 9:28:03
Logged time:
11:20:27
